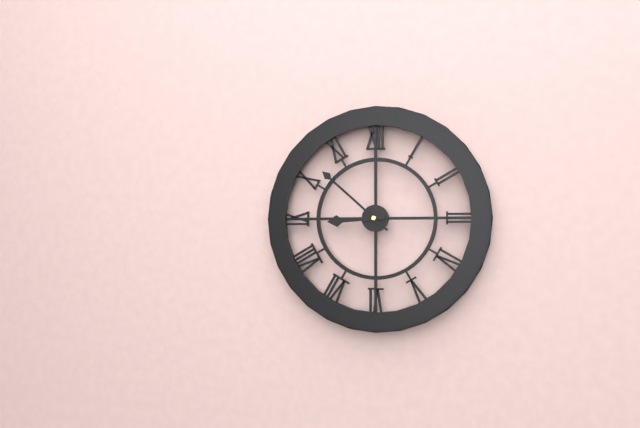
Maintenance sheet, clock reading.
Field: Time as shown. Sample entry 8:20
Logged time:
8:52
